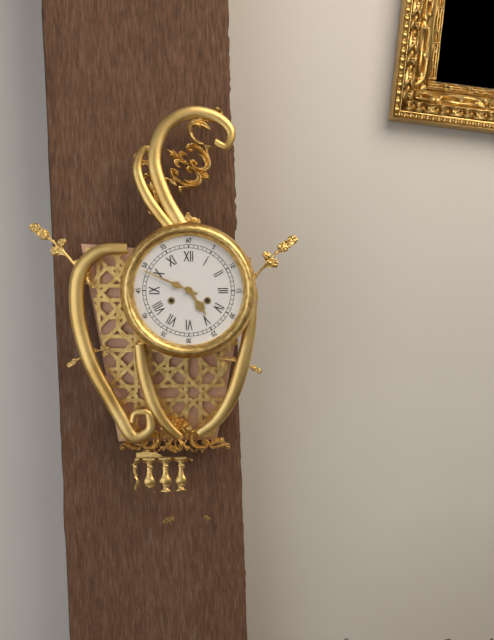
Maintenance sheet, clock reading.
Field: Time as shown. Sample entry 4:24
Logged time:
4:49
